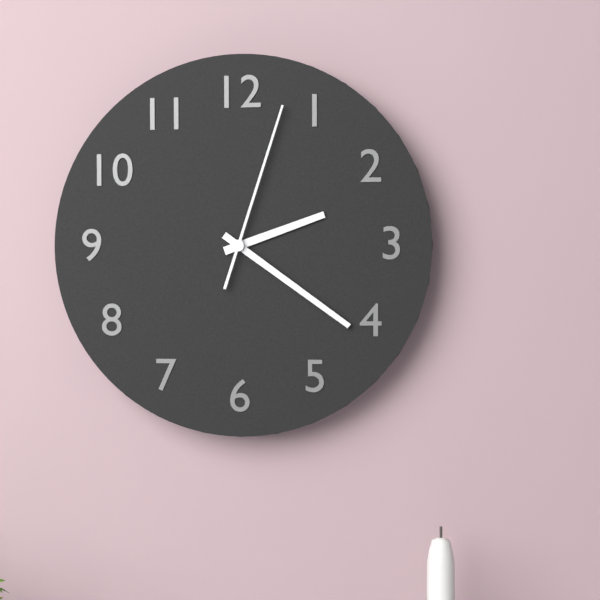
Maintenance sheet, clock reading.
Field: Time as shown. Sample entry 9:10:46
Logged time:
2:21:03
